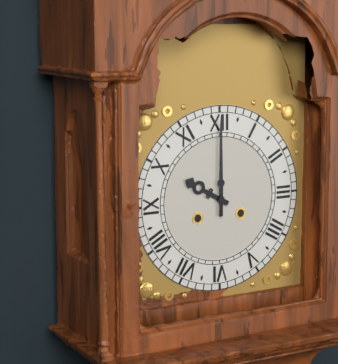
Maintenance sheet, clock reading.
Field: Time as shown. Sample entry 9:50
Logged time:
10:00
